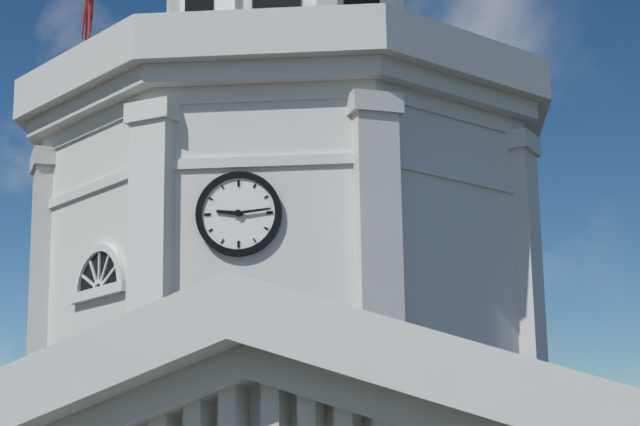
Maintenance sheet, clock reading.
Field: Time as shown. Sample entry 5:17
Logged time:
9:14
